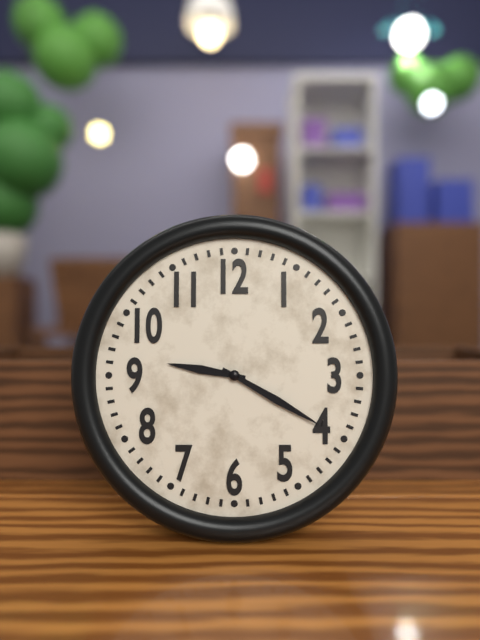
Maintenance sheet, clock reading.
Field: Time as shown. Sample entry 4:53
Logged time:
9:20
